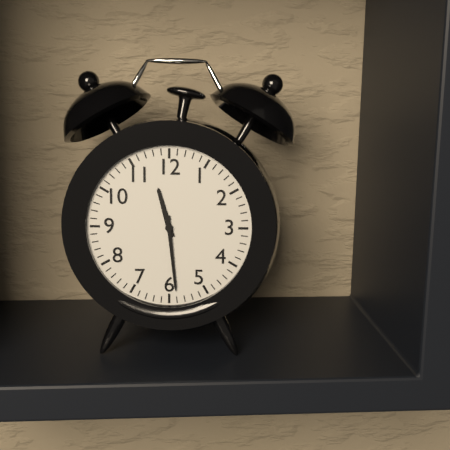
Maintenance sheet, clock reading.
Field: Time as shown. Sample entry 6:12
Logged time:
11:29
